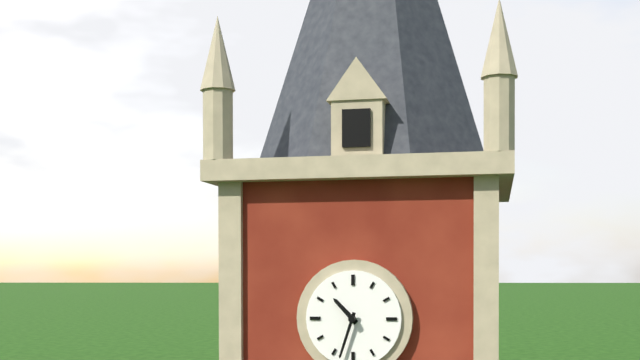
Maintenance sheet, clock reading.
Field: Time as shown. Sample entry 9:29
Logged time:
10:33
